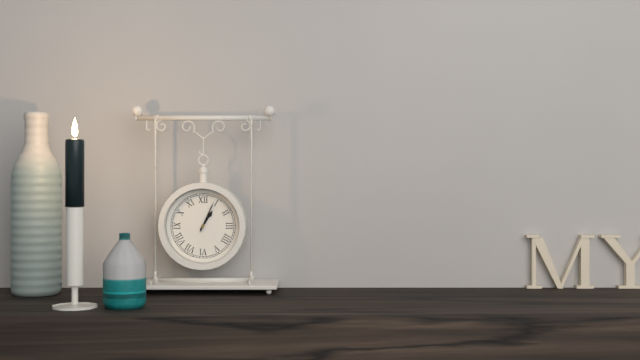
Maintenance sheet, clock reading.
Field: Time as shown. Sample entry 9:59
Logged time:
1:04
